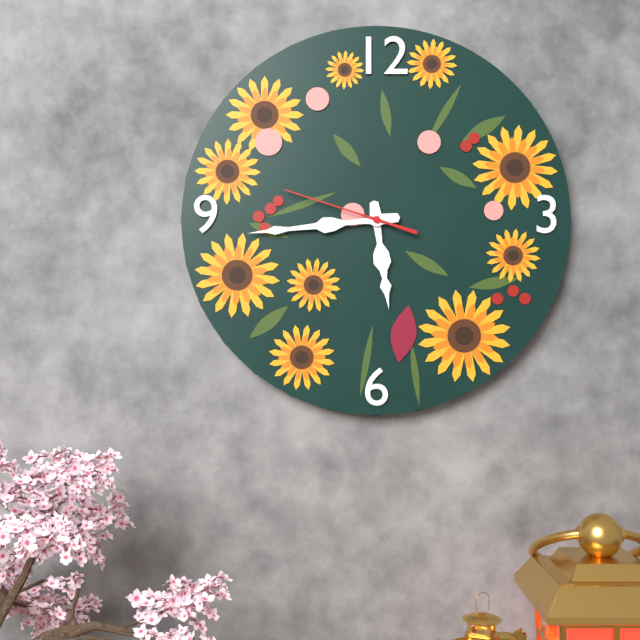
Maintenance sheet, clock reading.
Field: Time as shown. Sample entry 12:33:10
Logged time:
5:44:48
